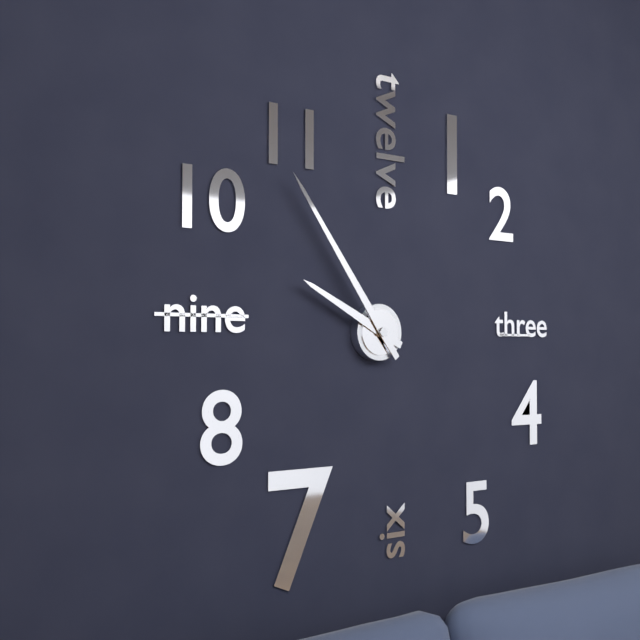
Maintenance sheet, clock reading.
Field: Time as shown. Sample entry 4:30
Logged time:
9:54
